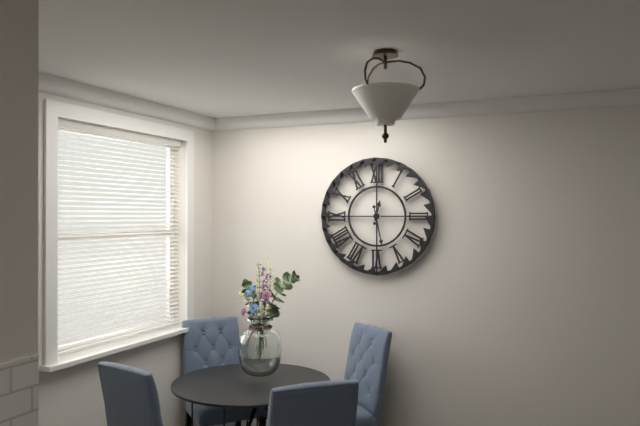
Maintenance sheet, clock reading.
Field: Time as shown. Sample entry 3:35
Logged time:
12:28
